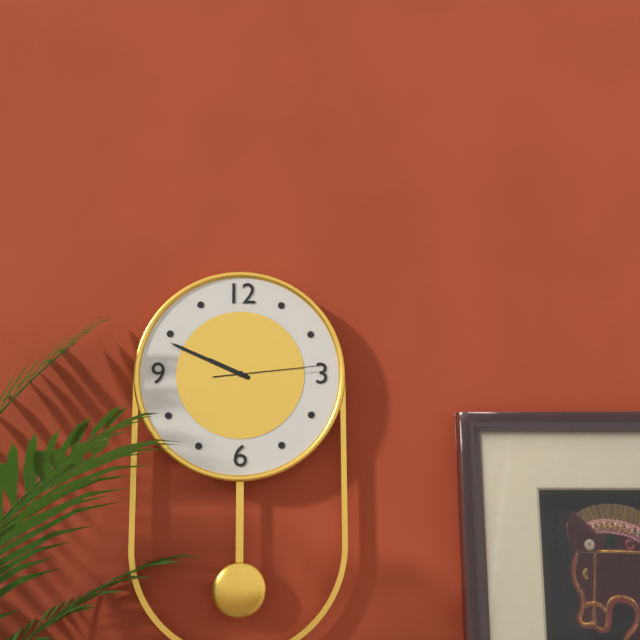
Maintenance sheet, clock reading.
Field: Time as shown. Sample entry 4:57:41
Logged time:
9:49:14
